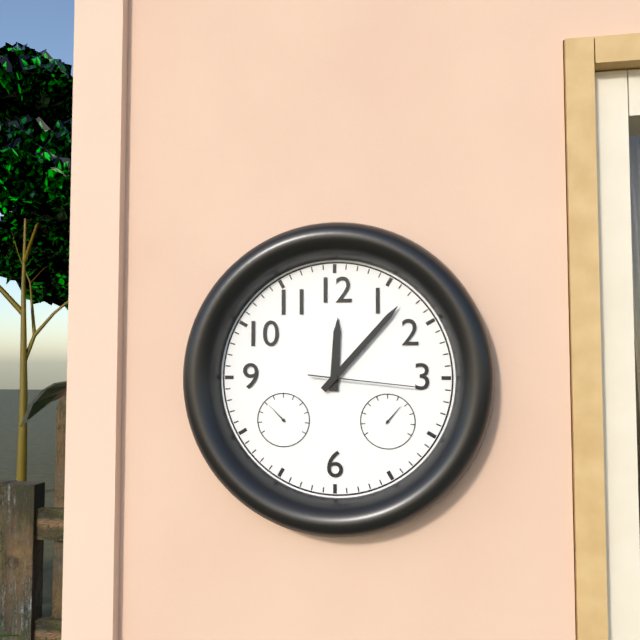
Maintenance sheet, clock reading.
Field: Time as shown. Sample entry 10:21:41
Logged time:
12:07:16
